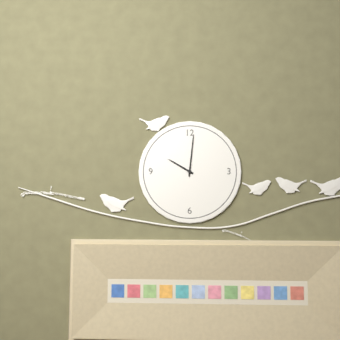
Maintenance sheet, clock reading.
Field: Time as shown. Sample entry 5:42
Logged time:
10:01
